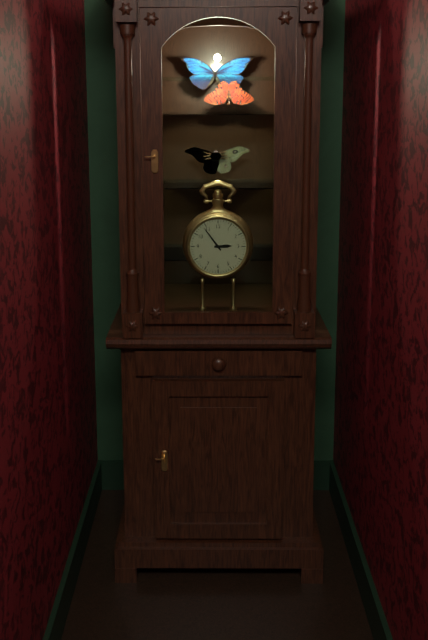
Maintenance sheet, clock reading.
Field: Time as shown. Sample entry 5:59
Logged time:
2:54
